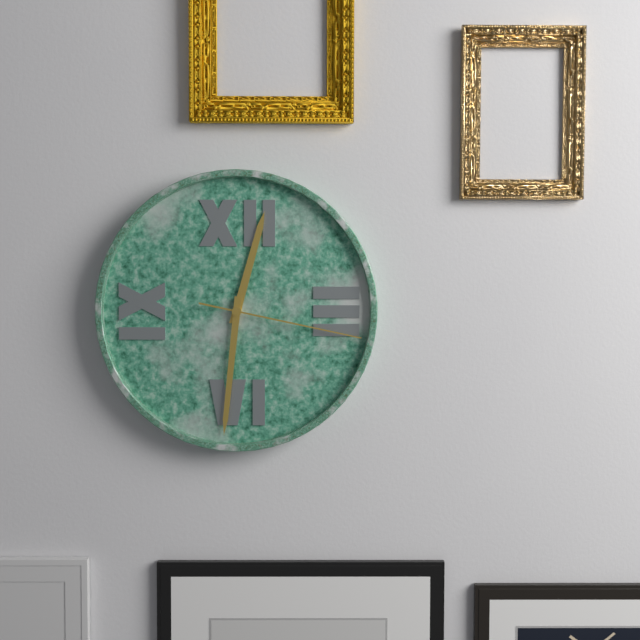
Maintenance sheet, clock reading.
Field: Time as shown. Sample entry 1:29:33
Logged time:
12:31:17
